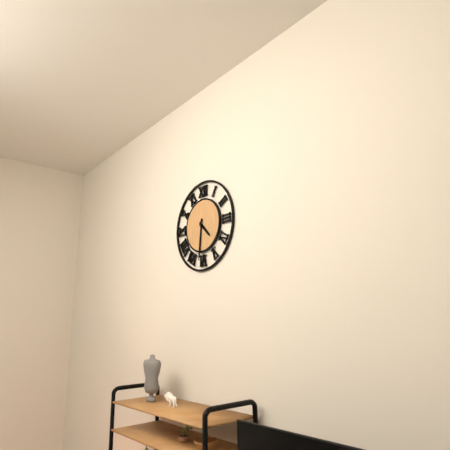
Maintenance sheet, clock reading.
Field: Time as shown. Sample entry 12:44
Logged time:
4:31
